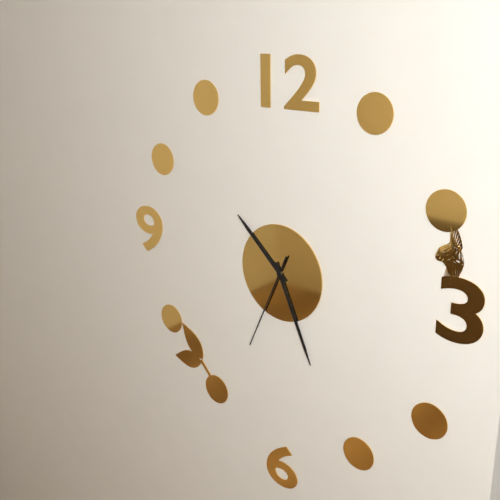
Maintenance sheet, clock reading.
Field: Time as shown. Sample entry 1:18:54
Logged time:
10:26:34
